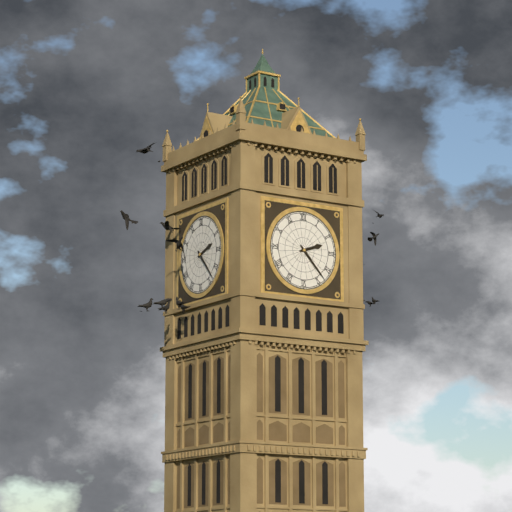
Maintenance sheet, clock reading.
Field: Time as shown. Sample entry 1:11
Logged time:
2:23
